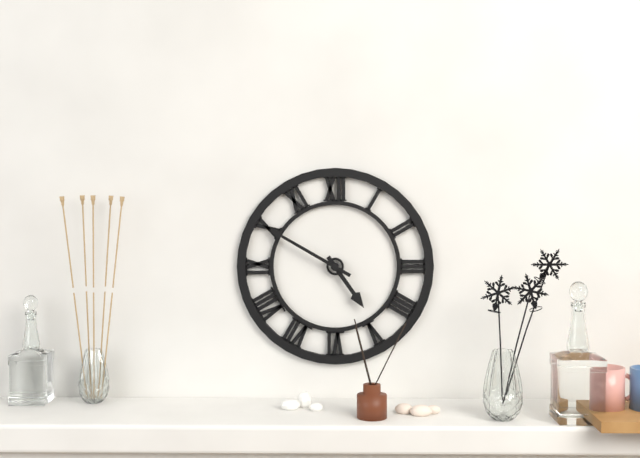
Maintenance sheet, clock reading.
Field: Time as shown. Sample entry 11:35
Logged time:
4:50
